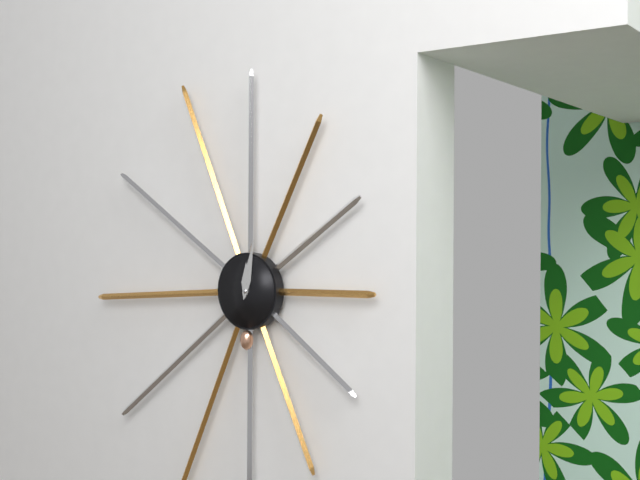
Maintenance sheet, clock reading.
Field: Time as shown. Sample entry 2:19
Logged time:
12:02
